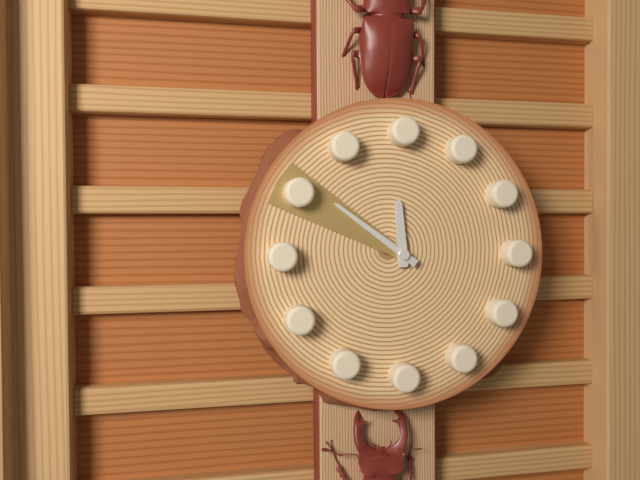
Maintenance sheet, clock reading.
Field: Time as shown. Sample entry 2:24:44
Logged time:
11:51:50
